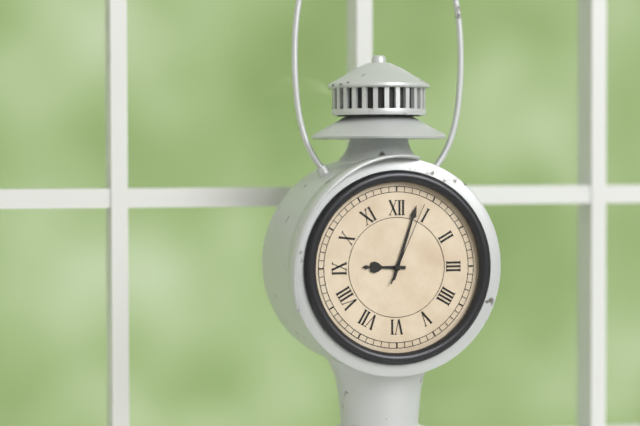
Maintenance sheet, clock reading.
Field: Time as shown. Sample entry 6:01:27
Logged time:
9:03:04
